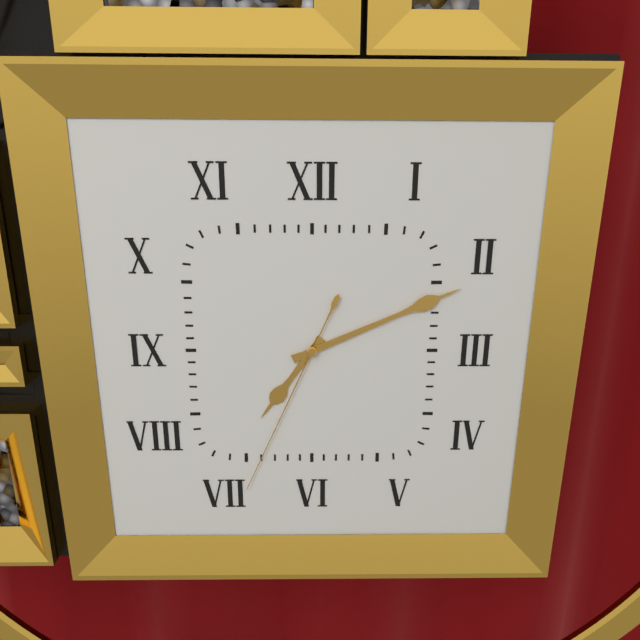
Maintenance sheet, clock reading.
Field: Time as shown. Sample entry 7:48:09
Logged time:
7:11:34
